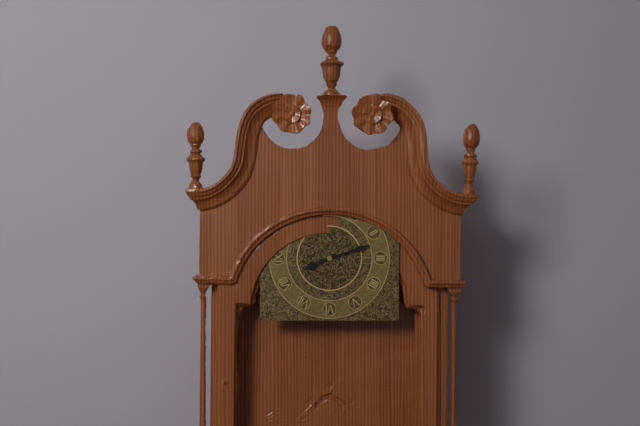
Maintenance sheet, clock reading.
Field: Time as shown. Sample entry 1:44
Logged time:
8:12
